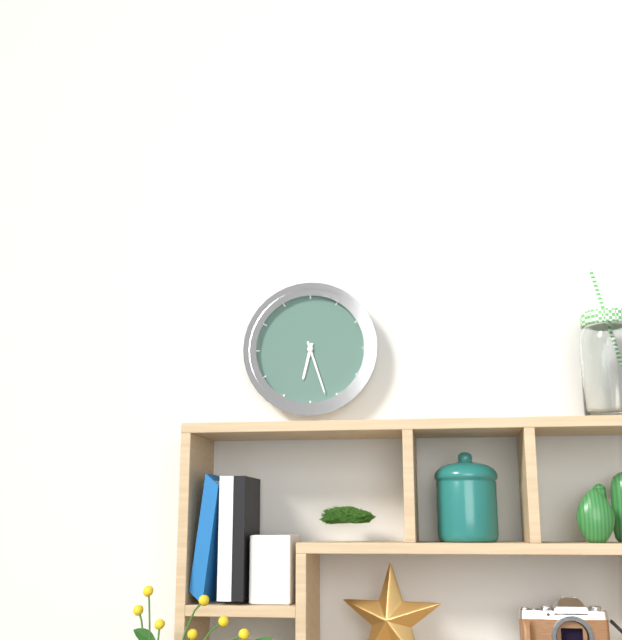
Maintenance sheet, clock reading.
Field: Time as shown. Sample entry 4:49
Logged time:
6:27
